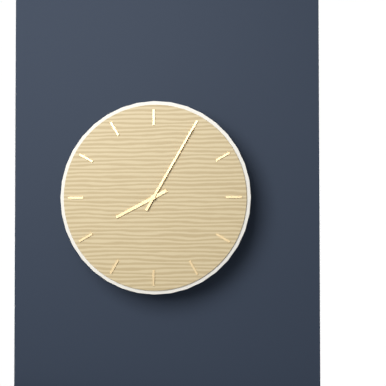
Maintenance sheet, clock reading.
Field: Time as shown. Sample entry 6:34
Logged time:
8:05
